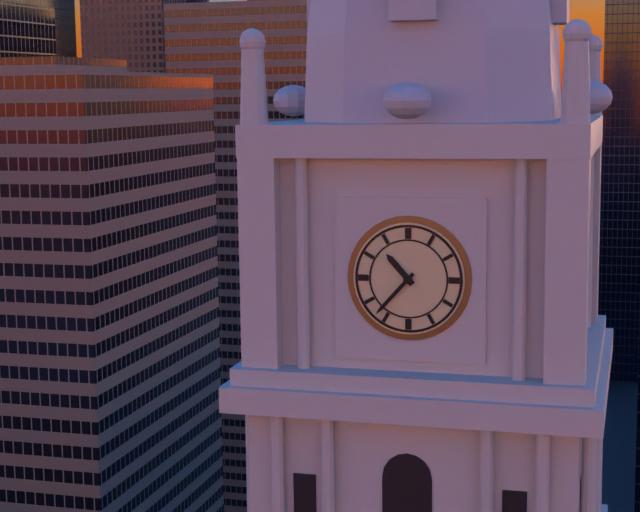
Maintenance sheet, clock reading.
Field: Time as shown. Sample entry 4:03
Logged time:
10:37
